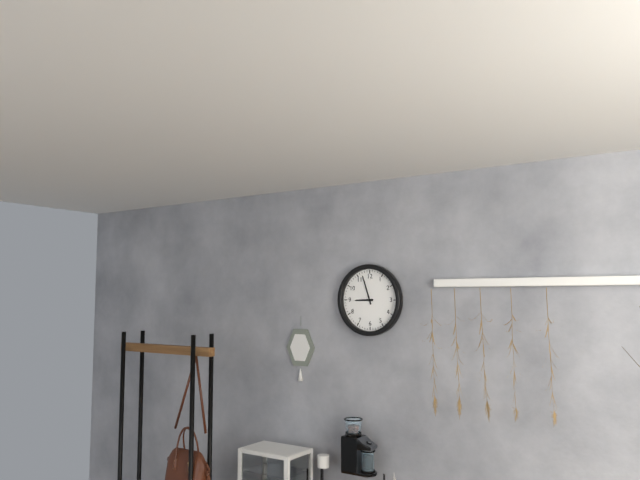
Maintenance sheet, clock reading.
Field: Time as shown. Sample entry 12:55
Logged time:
8:57
